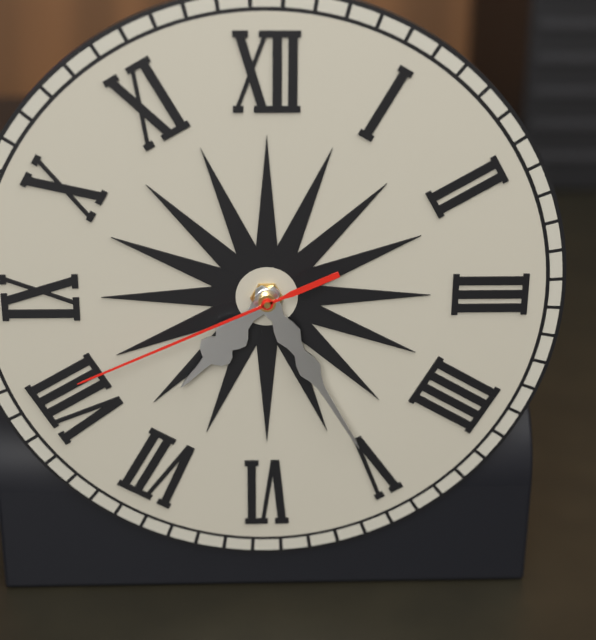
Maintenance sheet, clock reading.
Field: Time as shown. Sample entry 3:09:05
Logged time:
7:25:41
